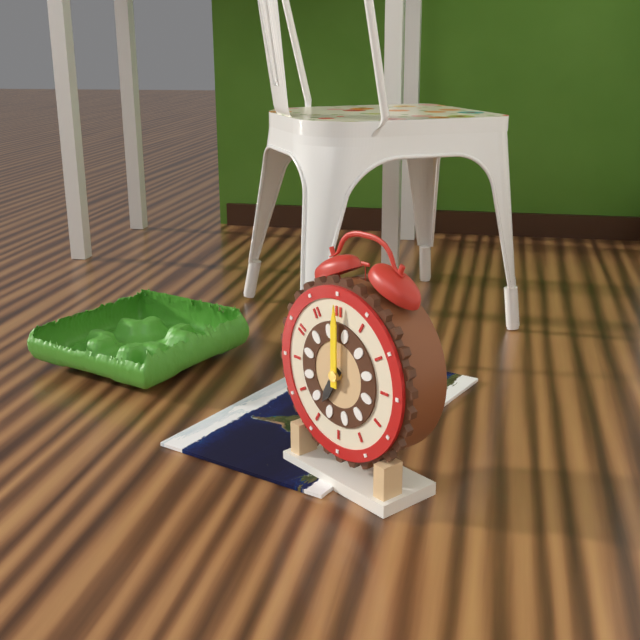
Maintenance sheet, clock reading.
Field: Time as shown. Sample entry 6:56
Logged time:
7:00
